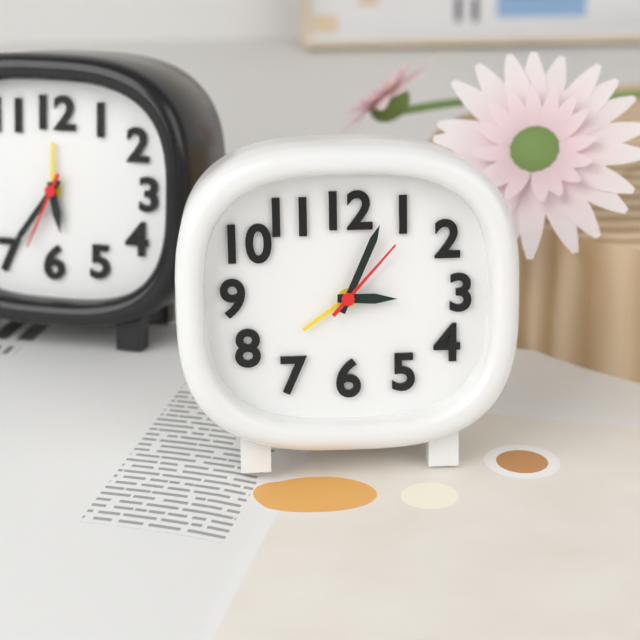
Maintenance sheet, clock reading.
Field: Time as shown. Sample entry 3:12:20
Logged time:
3:04:07
